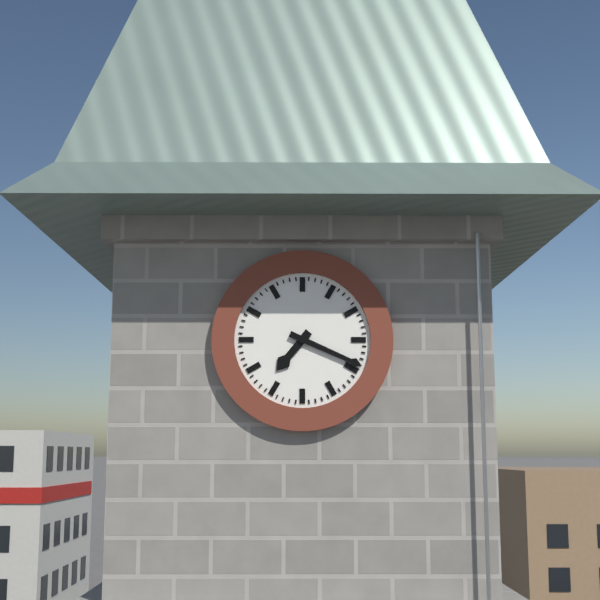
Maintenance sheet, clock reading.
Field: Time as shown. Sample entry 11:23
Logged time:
7:19
